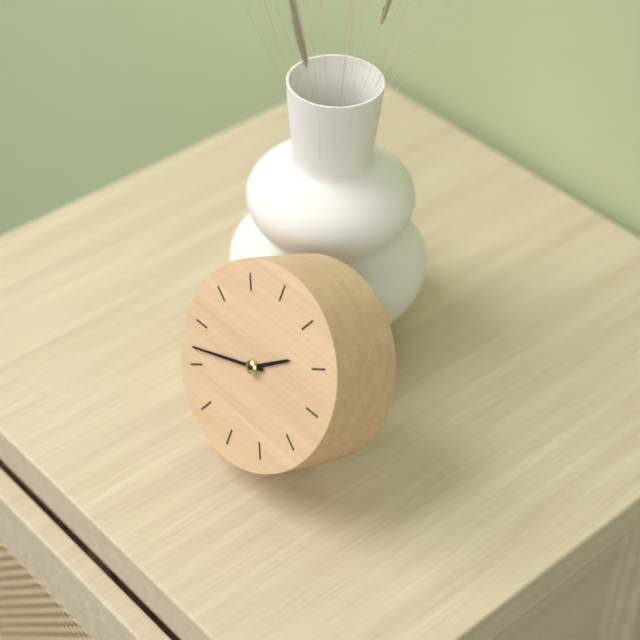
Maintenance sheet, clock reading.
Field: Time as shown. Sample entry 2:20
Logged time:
1:42
